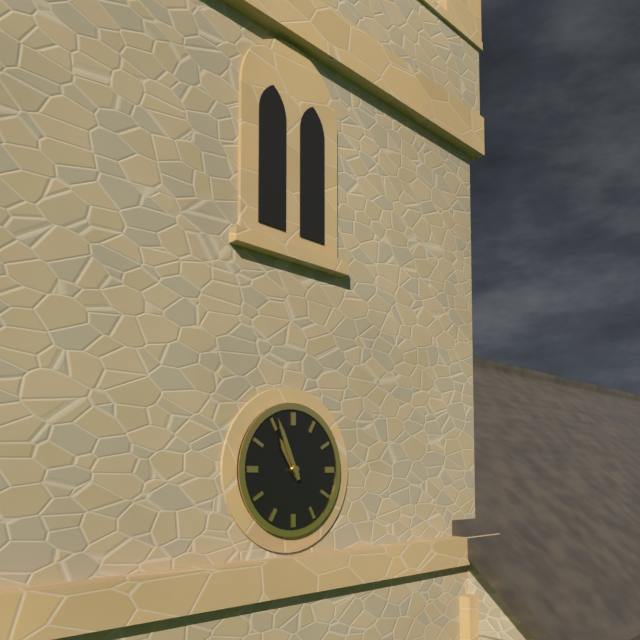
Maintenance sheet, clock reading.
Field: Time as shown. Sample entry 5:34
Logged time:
10:56
